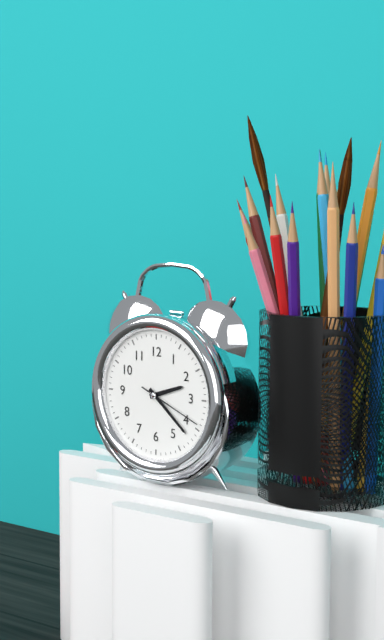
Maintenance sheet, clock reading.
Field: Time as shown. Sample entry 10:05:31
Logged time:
2:22:19
